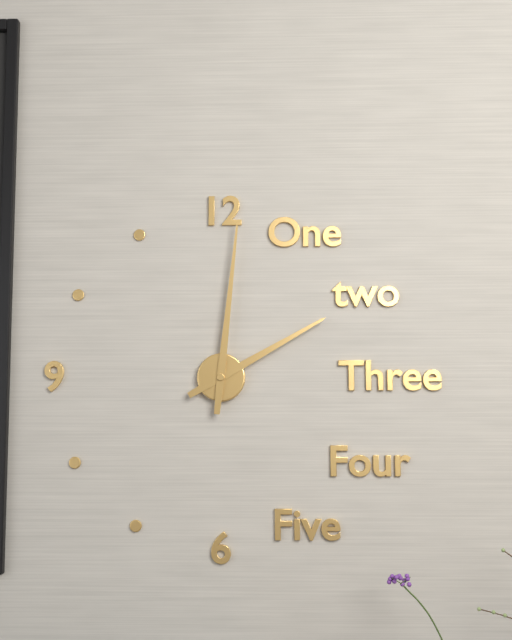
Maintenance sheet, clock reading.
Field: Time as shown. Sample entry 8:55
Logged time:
2:01
